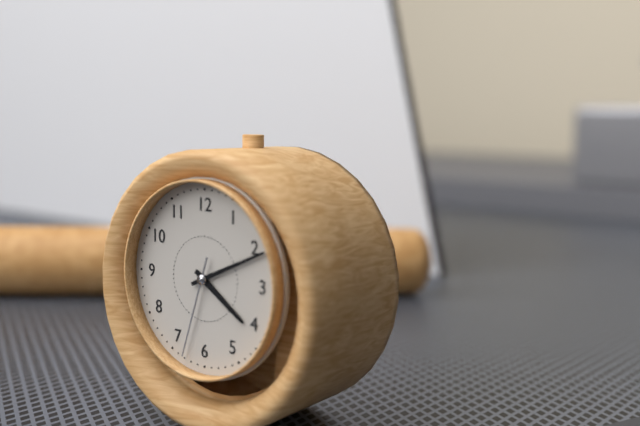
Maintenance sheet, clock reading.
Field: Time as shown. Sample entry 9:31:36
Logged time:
4:11:33
